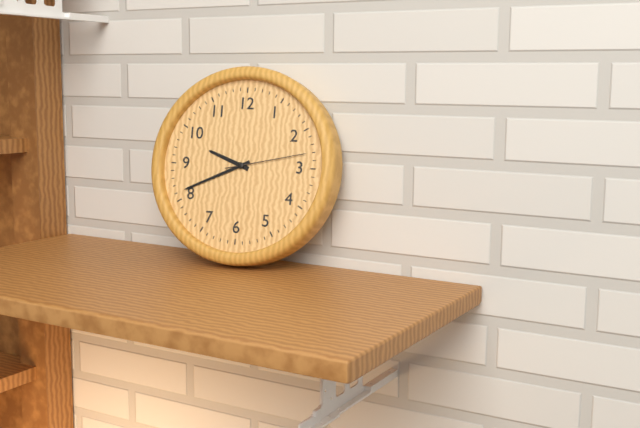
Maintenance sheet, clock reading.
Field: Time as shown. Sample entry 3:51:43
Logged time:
9:41:13
